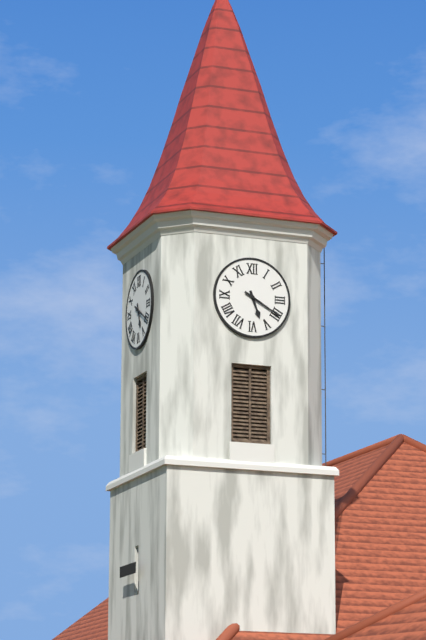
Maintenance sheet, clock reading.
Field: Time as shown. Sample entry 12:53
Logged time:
5:20
